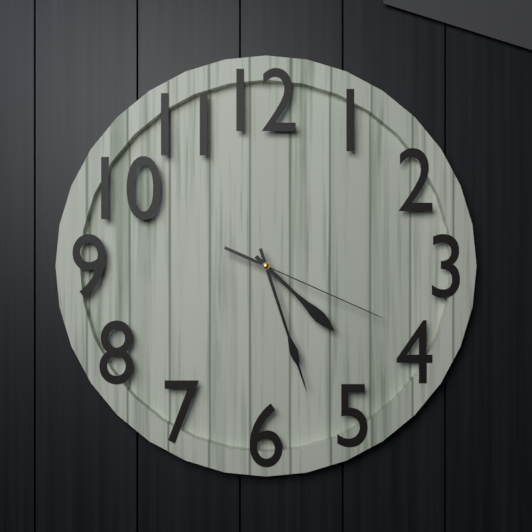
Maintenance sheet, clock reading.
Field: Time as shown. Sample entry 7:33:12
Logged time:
4:27:19
